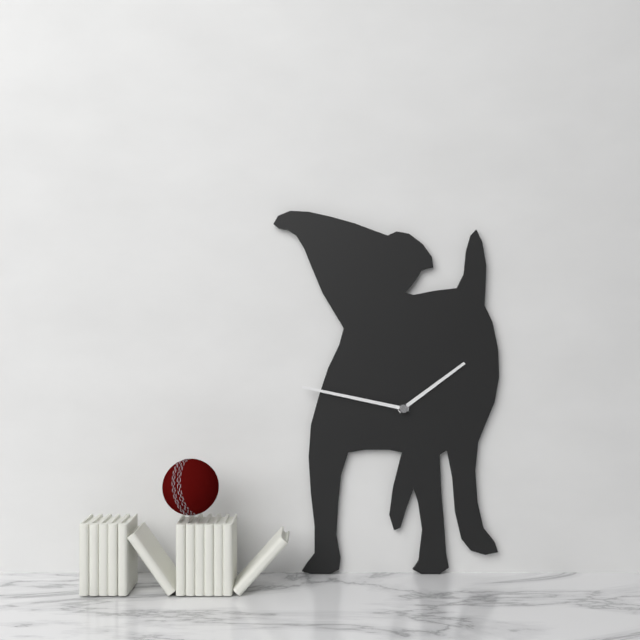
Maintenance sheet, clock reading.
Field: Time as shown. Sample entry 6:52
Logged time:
1:47
